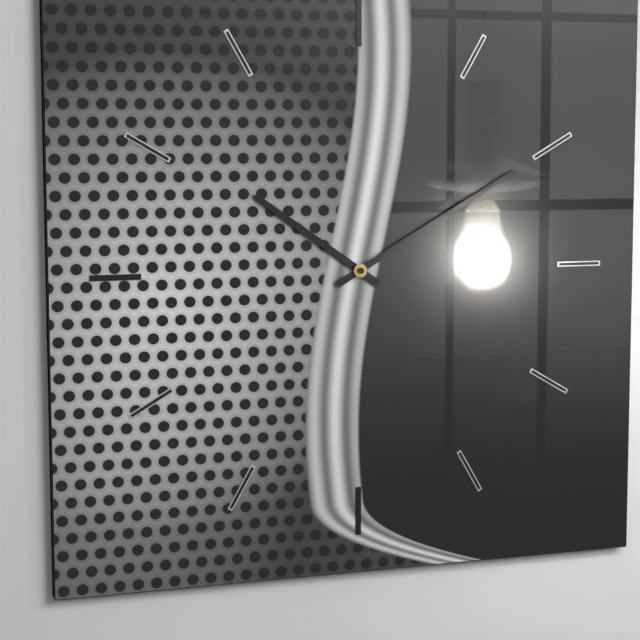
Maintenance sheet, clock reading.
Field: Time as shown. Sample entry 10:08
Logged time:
10:10
